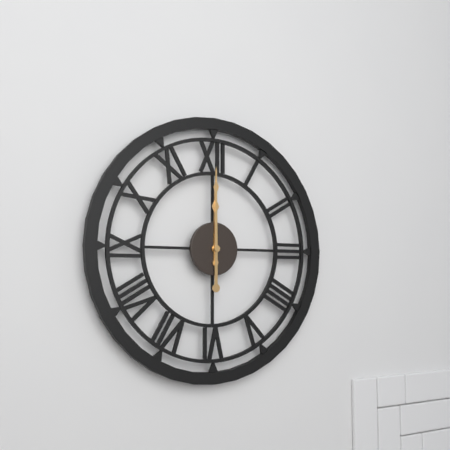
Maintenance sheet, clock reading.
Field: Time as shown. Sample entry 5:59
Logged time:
12:00
